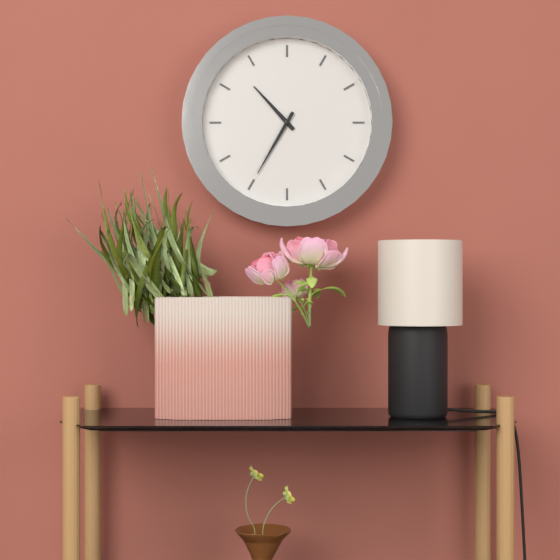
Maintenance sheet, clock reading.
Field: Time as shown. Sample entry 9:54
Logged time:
10:35
